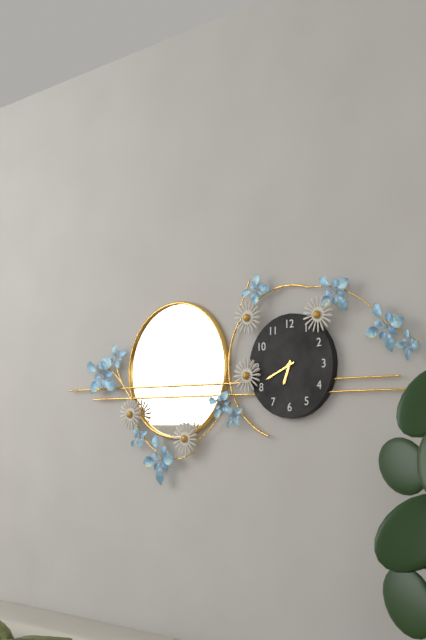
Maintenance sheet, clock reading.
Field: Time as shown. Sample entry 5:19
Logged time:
6:41
